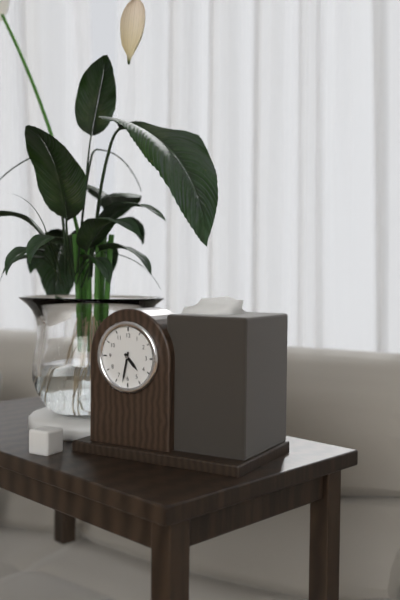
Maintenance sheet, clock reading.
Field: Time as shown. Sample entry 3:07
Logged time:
4:32
